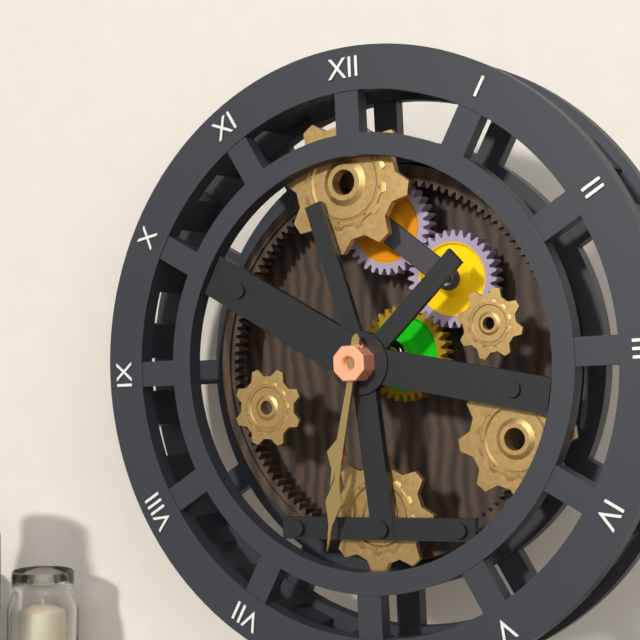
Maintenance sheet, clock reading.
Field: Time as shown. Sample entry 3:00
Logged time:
6:32
